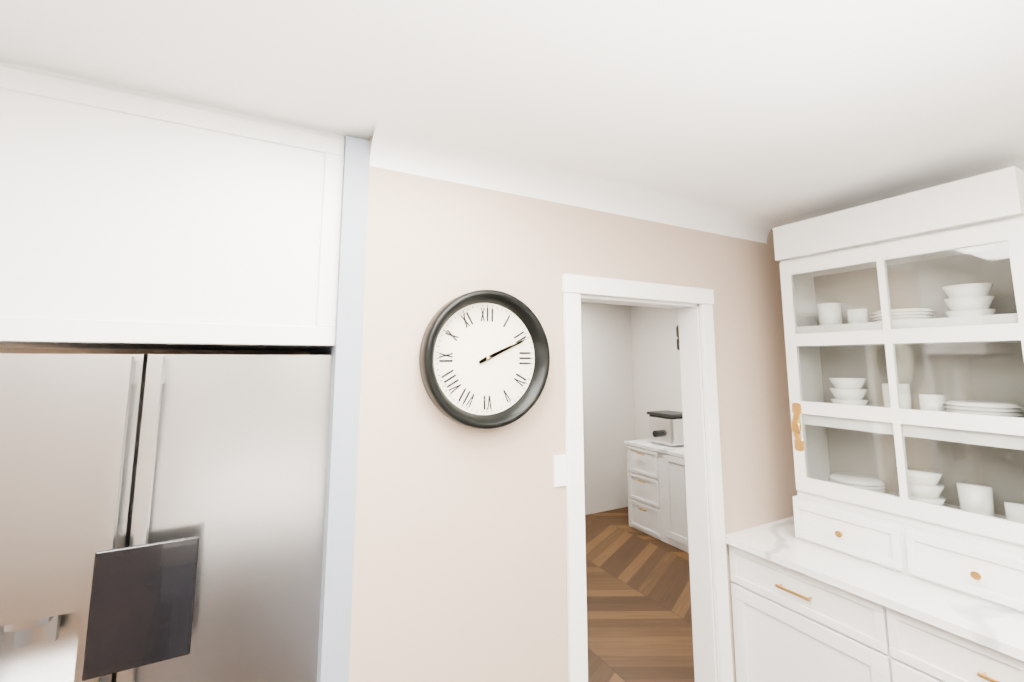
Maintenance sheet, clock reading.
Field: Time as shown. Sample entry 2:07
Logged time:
2:11
